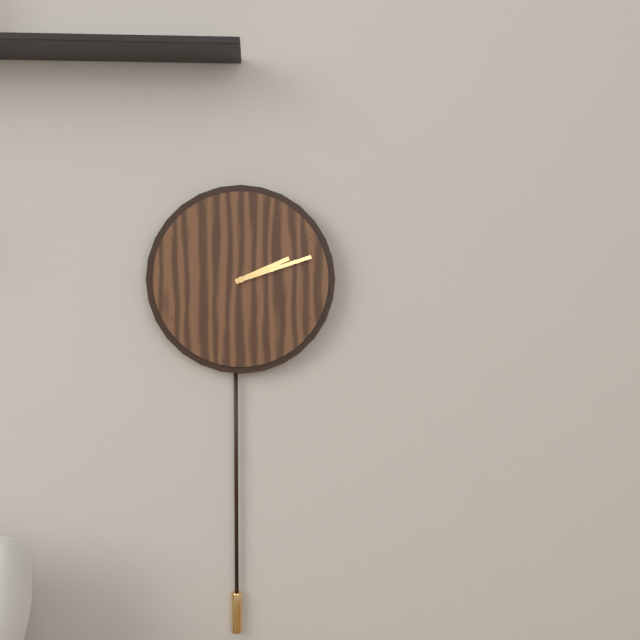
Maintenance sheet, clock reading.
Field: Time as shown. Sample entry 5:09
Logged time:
2:12
